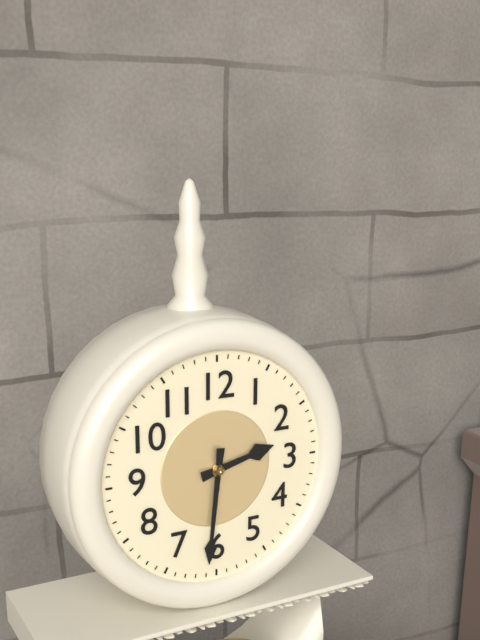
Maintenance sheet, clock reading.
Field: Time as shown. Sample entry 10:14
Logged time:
2:31
